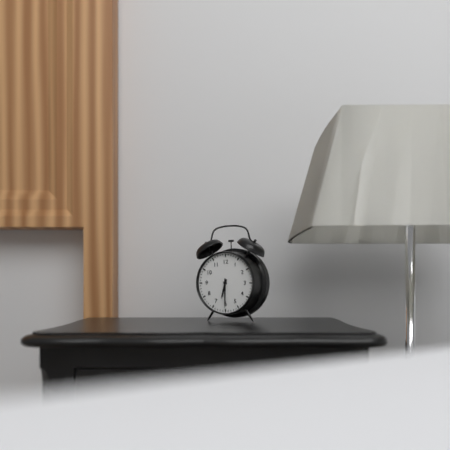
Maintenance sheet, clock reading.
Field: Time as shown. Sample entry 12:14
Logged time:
6:30
